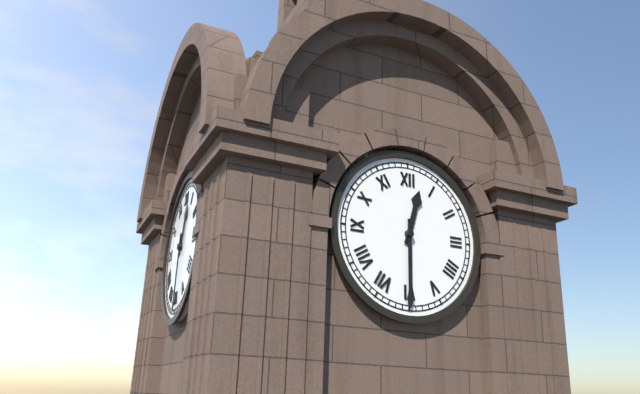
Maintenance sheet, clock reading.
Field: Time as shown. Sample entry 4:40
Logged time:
12:30
